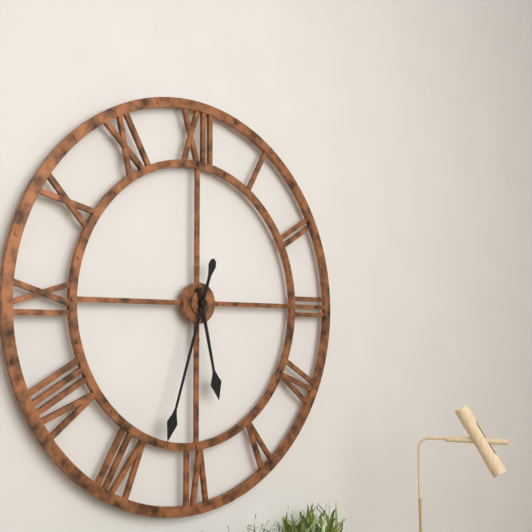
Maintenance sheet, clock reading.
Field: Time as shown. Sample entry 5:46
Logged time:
5:33
